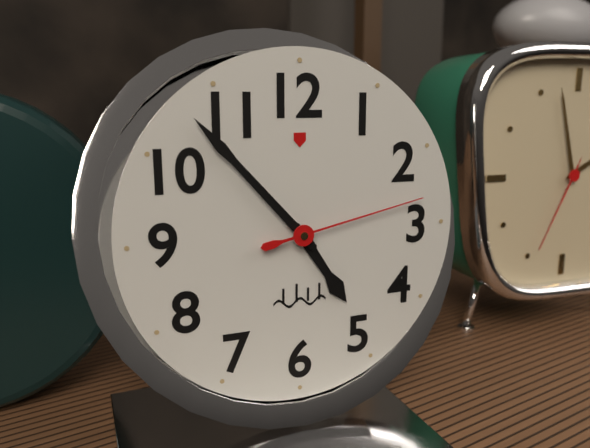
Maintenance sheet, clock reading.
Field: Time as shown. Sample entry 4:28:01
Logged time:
4:53:13
